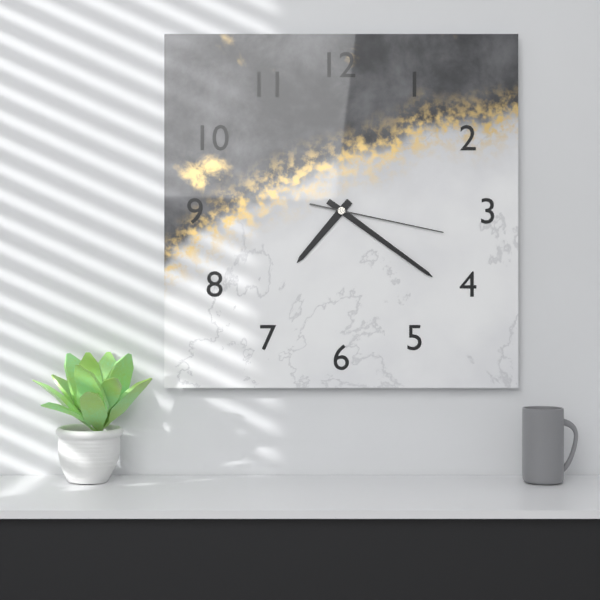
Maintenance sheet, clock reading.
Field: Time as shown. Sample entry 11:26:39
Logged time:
7:21:17
